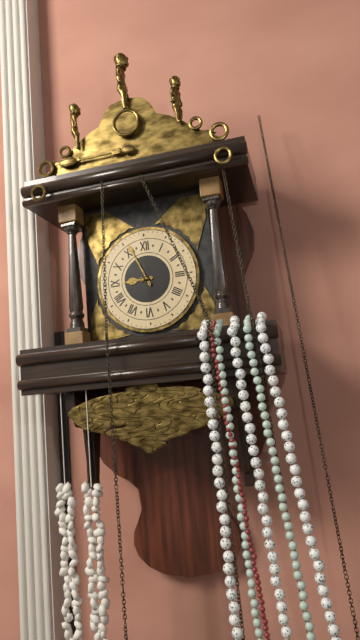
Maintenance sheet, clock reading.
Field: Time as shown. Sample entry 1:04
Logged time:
8:56
